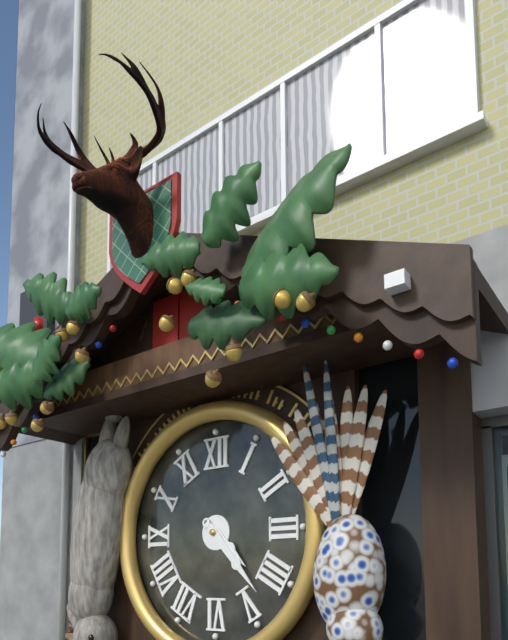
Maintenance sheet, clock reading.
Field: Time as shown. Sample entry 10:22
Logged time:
4:23
